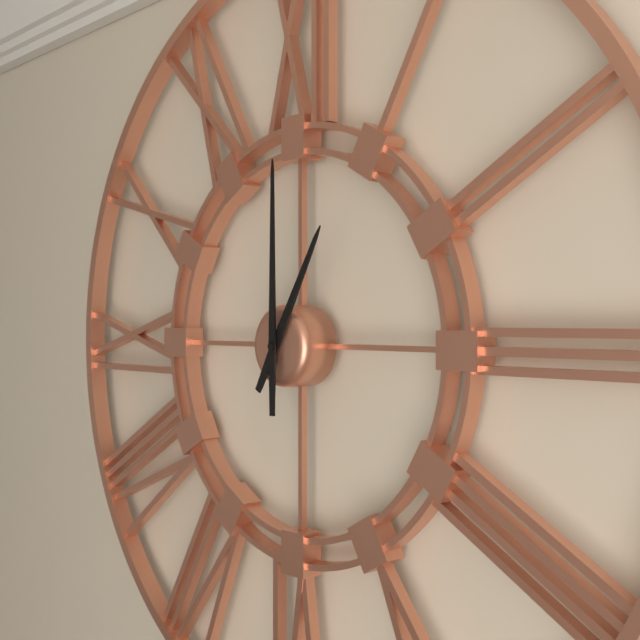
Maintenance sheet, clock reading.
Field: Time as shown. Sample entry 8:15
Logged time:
1:00
